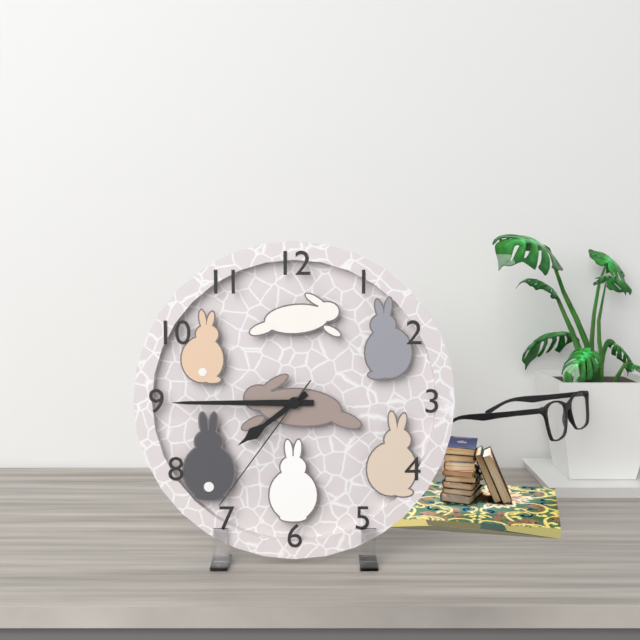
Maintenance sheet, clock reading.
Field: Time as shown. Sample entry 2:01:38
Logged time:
7:45:36
